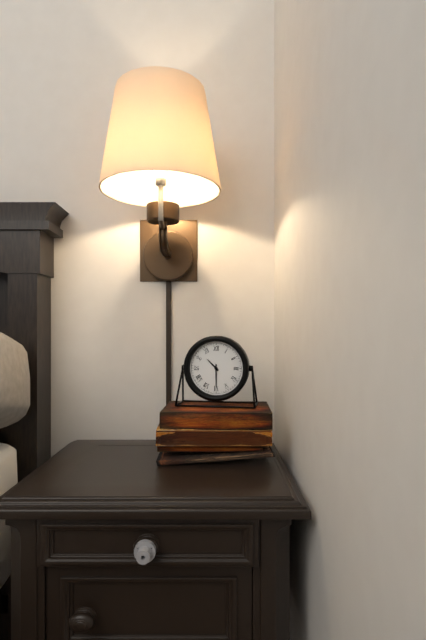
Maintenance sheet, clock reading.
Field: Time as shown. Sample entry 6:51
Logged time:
10:30
